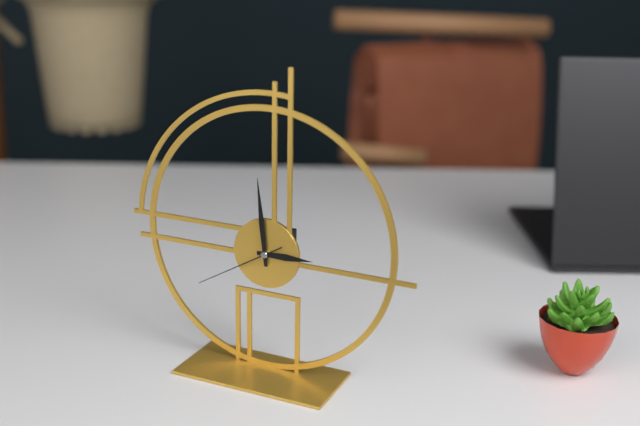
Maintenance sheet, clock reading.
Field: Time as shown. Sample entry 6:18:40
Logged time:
2:59:40
